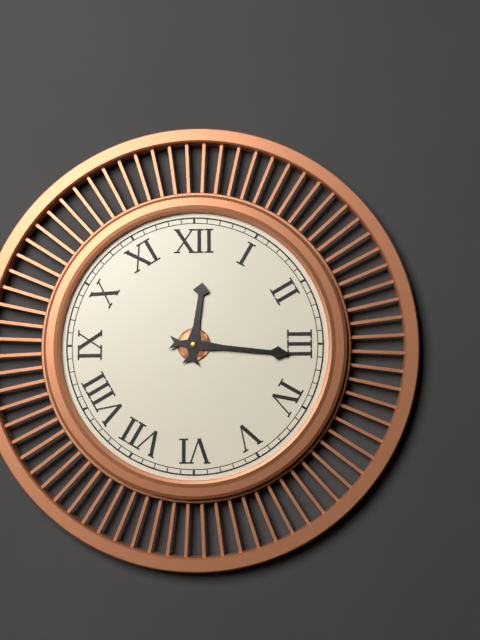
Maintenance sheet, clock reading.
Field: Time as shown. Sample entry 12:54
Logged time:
12:16
